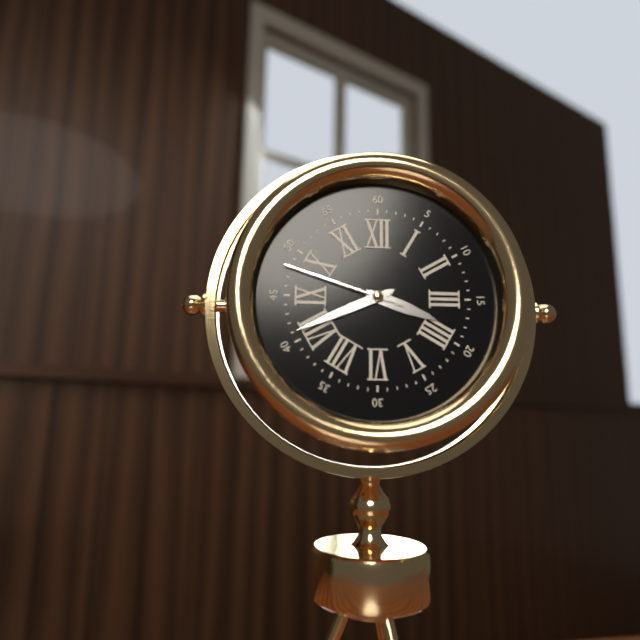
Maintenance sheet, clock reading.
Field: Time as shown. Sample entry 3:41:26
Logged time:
3:41:48
